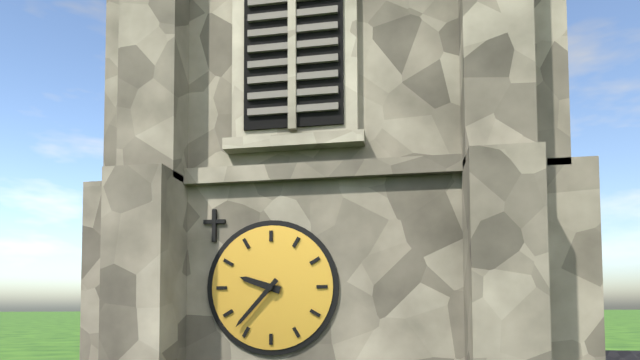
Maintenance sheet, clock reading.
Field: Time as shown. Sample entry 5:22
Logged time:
9:37
